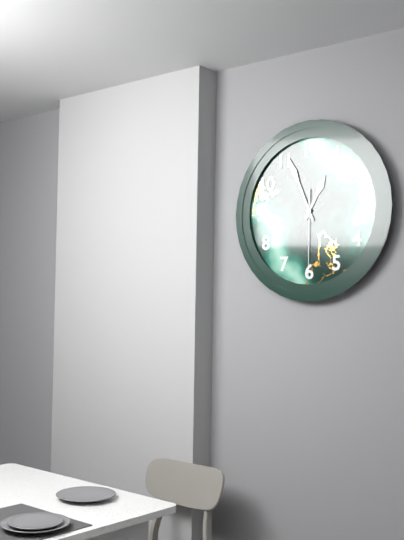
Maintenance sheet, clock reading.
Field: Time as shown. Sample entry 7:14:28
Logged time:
12:56:30
